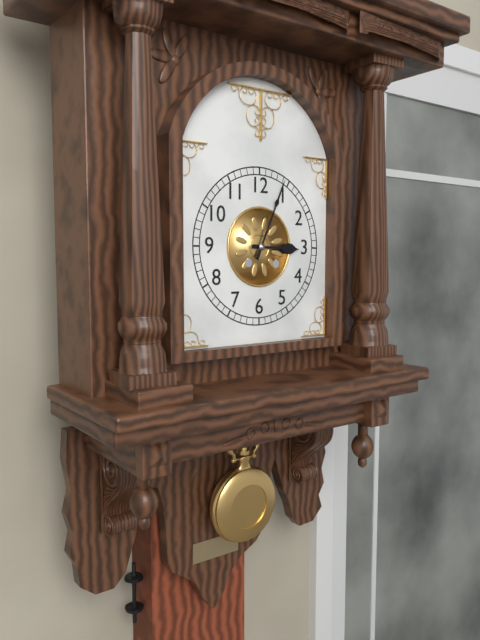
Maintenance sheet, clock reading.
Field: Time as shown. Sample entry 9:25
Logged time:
3:04
